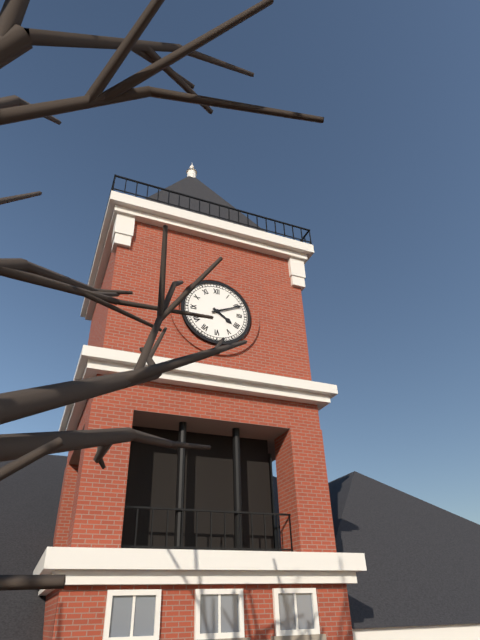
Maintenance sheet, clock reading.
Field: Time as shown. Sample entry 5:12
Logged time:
4:11
